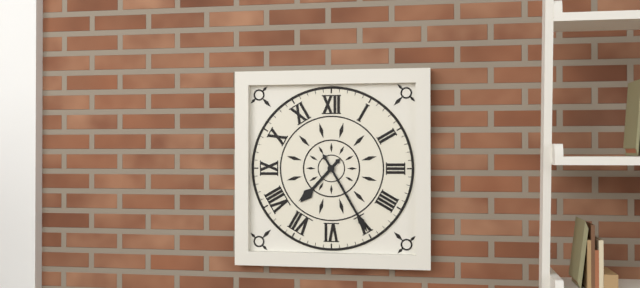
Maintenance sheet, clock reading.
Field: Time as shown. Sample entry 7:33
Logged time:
7:25
